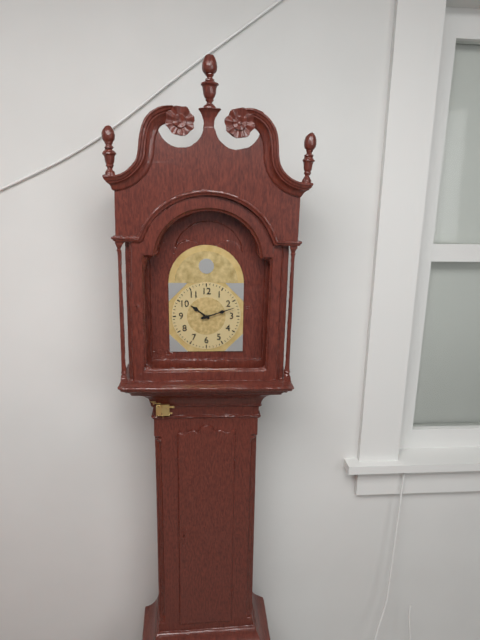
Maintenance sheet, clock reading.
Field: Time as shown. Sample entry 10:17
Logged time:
10:12
